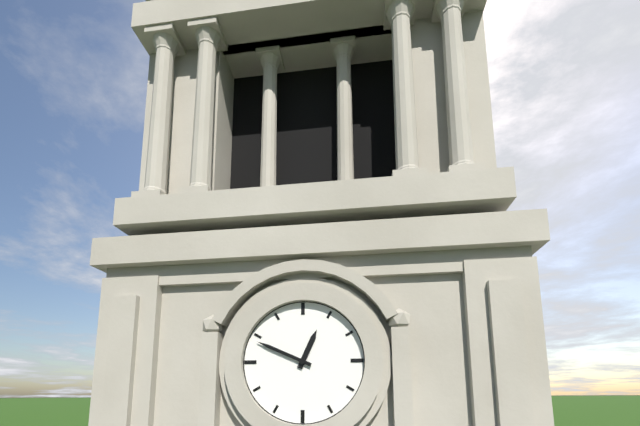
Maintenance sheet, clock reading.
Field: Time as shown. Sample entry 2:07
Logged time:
12:49
